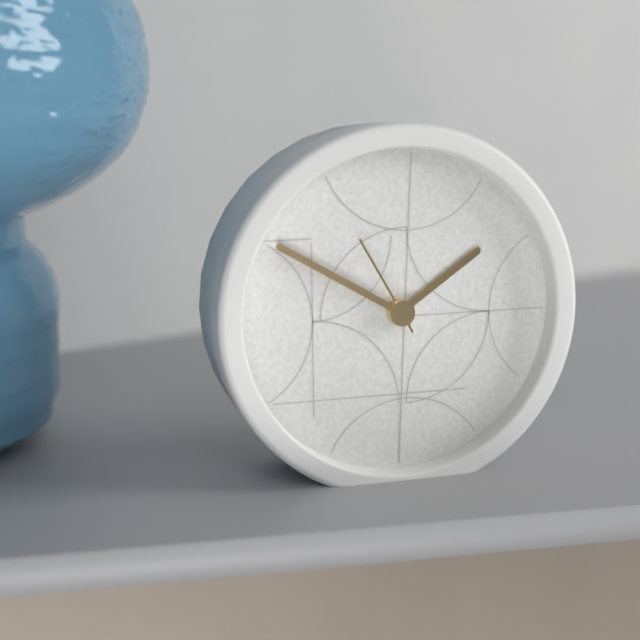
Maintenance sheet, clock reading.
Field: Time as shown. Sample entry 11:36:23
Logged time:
1:50:55
